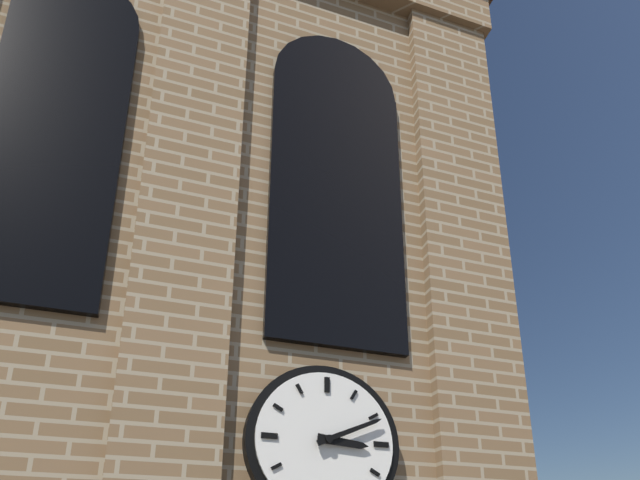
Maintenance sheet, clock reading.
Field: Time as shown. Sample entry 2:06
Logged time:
3:11
